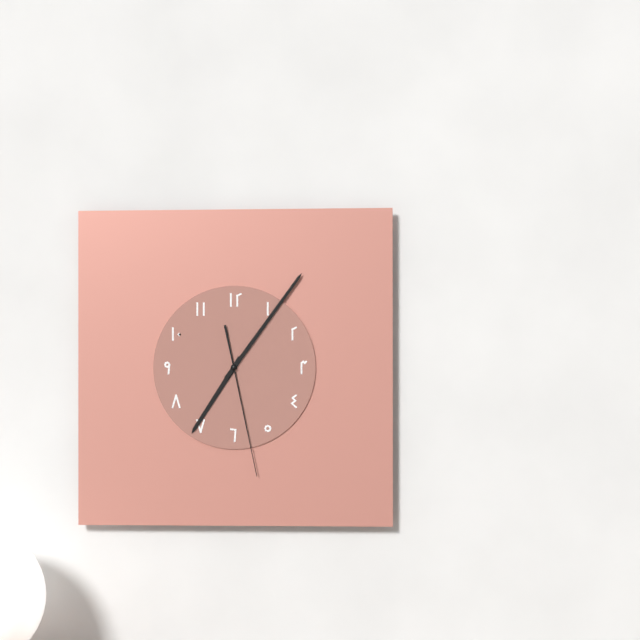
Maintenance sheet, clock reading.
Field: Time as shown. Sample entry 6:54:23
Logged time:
7:06:28
